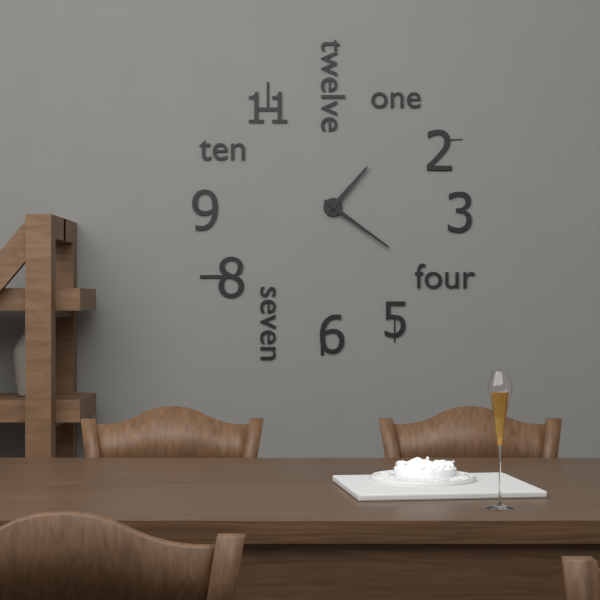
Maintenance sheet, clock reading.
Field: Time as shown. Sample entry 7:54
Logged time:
1:21
